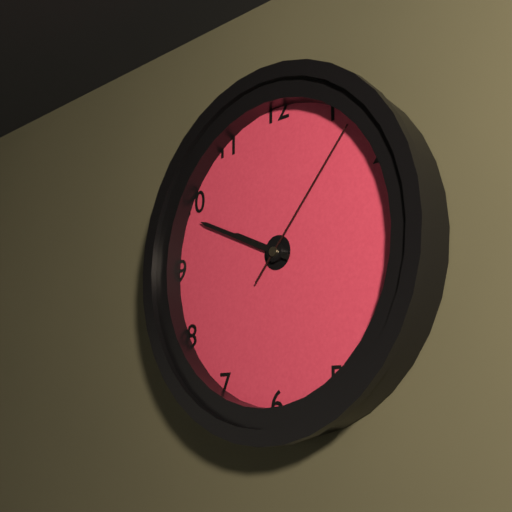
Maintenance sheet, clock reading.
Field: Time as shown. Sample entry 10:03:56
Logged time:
9:49:07
